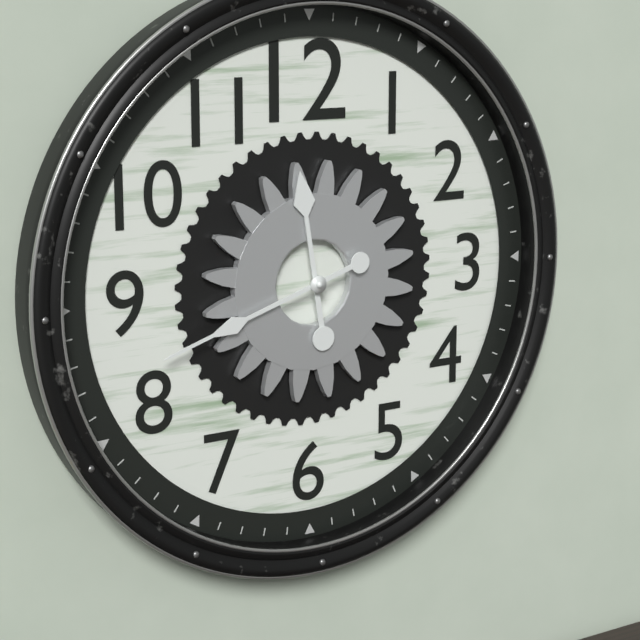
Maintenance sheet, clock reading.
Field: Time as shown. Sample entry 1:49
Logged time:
11:42
